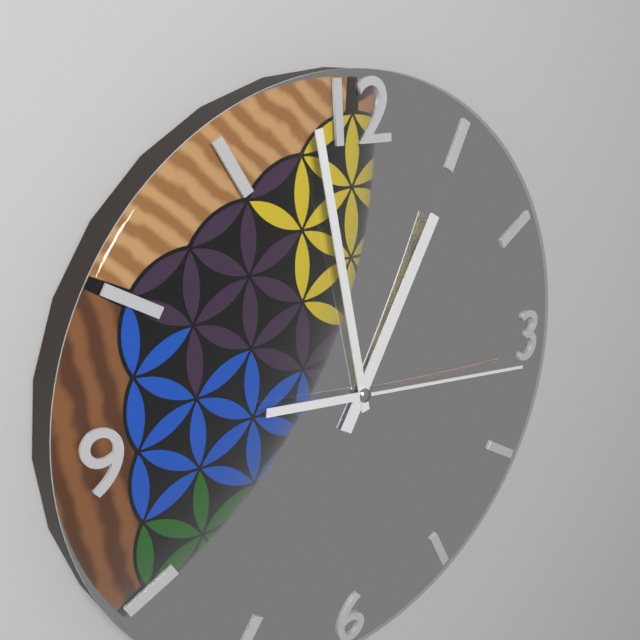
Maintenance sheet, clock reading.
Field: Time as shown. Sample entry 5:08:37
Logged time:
12:58:16
